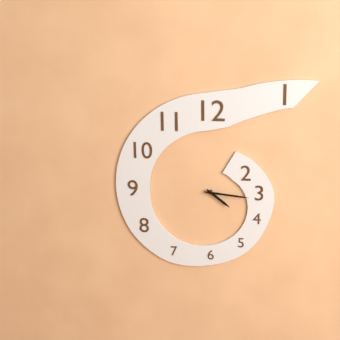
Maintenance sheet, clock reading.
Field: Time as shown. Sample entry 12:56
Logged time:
4:16
